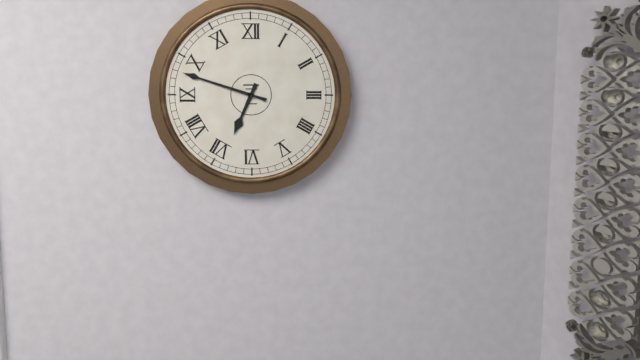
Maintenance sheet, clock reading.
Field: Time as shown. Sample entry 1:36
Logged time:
6:48
